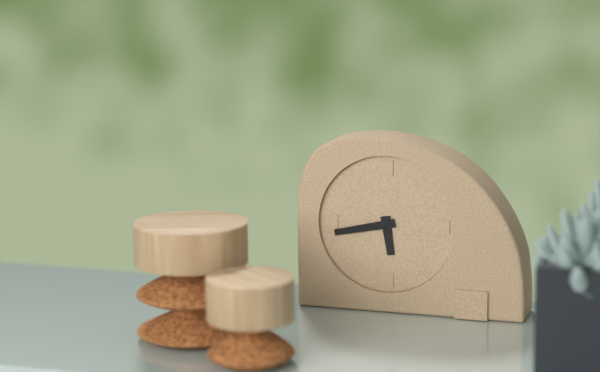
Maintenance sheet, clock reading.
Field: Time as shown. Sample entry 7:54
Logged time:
5:43
